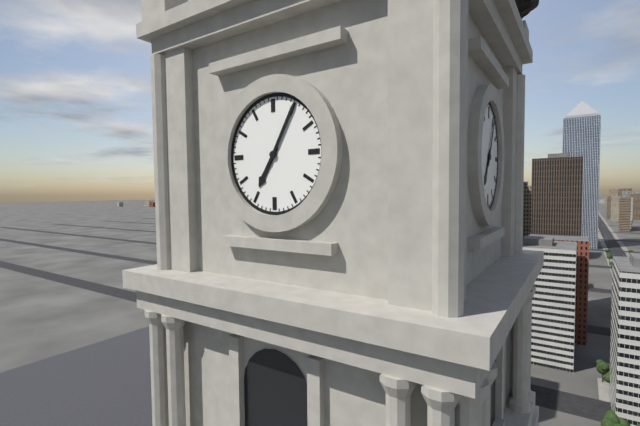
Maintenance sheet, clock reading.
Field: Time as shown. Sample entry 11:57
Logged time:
7:05
